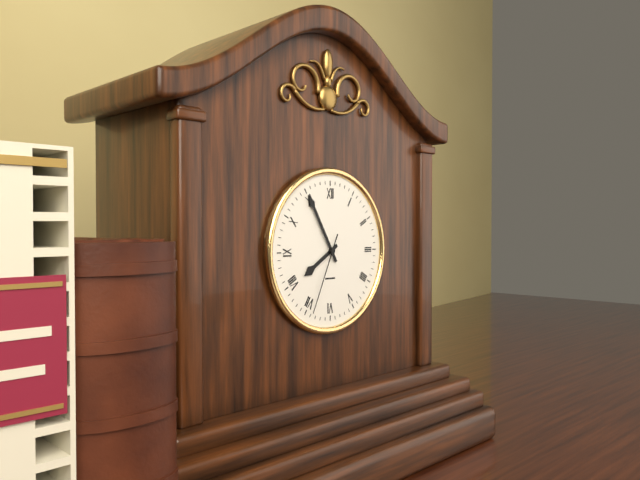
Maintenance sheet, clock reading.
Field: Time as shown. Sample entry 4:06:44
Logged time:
7:55:34
